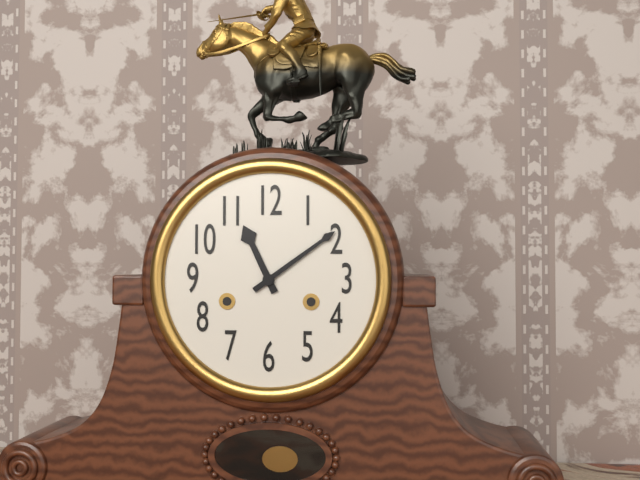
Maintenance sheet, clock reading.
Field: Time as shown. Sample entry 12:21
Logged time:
11:09
